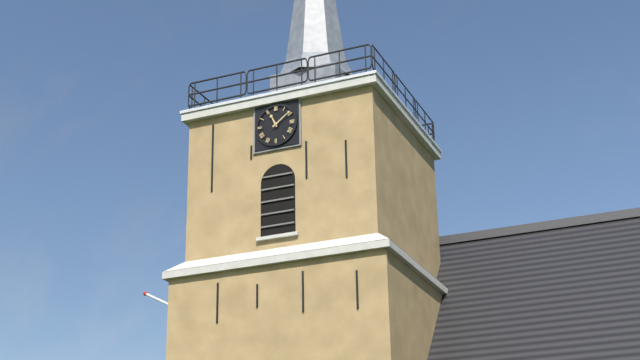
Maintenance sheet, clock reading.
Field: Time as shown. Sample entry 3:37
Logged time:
11:09
